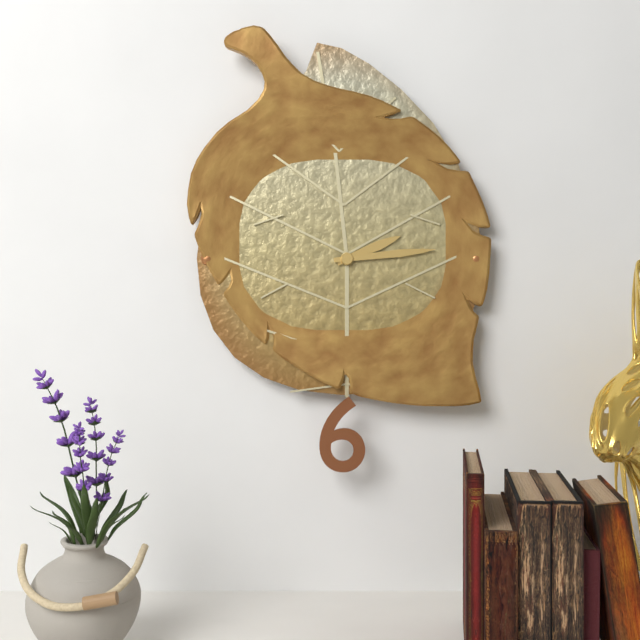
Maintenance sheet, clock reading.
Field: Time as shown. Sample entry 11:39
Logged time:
2:14
